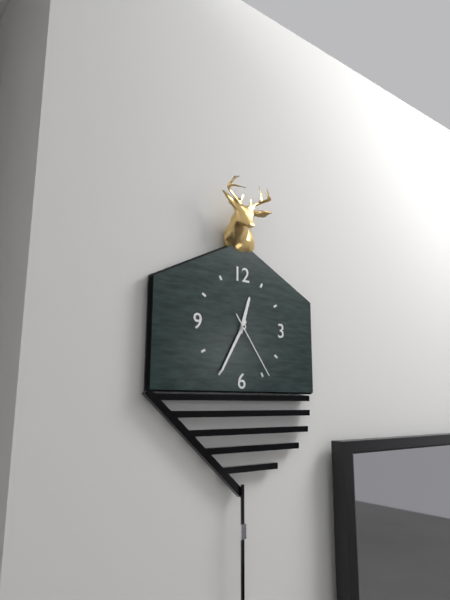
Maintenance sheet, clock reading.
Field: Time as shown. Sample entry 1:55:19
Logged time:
12:35:24
